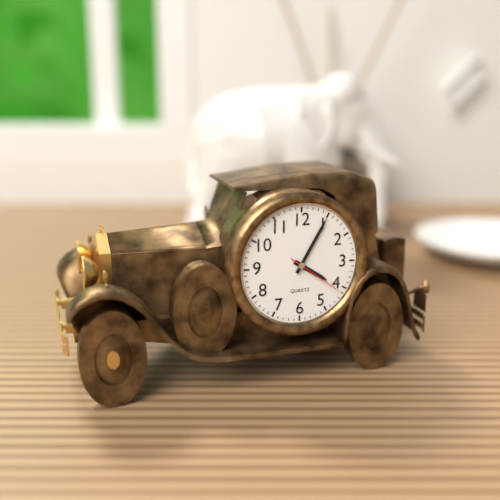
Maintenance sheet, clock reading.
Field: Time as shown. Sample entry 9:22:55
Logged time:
4:05:21
